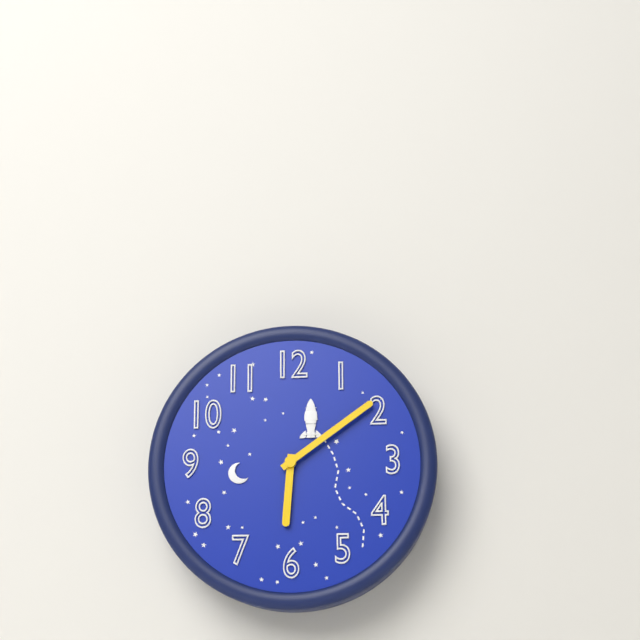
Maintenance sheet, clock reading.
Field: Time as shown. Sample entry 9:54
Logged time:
6:09
